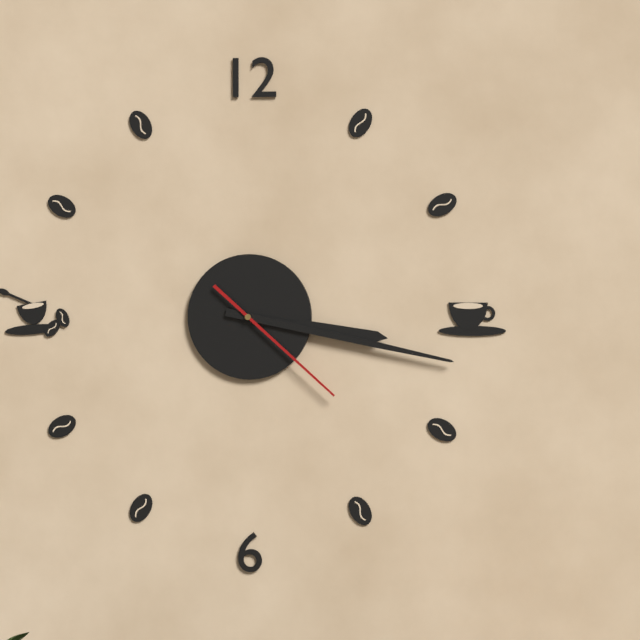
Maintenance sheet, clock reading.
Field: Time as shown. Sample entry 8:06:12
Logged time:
3:17:22
